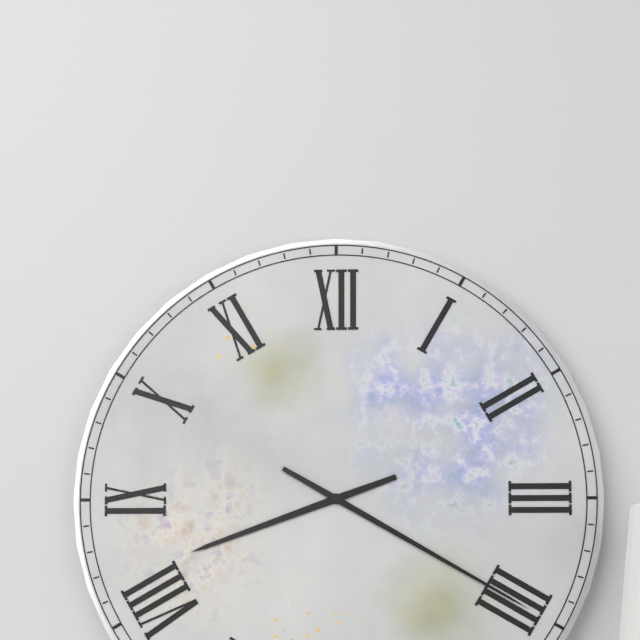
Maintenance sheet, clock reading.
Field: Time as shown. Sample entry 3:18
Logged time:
8:20
